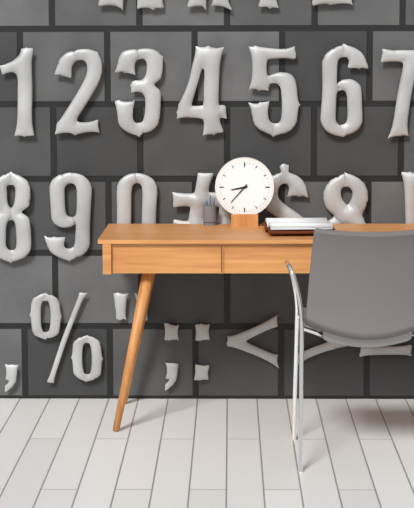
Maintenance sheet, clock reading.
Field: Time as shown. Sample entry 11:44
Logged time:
8:37
